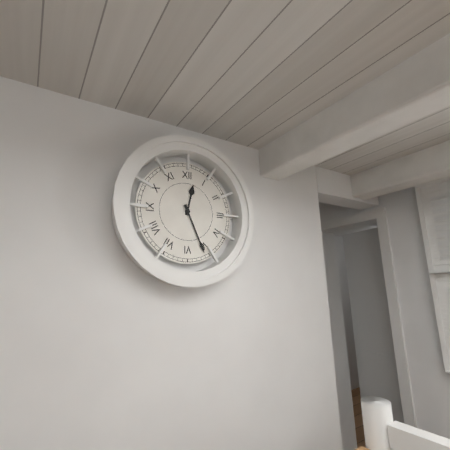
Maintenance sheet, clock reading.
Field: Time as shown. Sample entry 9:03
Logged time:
12:26
